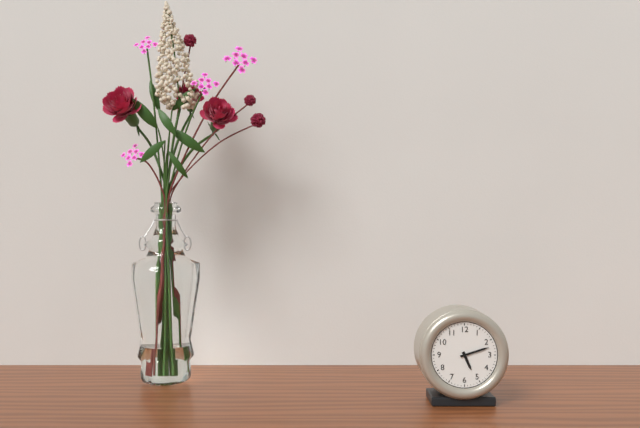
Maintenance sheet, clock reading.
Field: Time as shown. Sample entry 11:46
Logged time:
5:12
